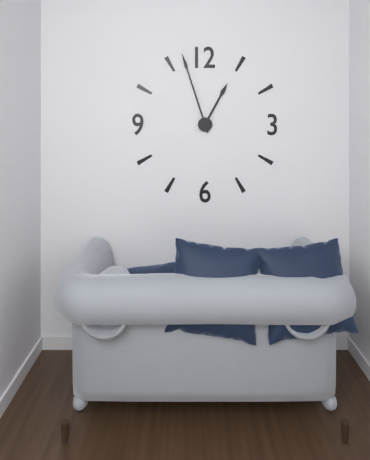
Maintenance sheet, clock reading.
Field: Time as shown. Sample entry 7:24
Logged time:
12:57
